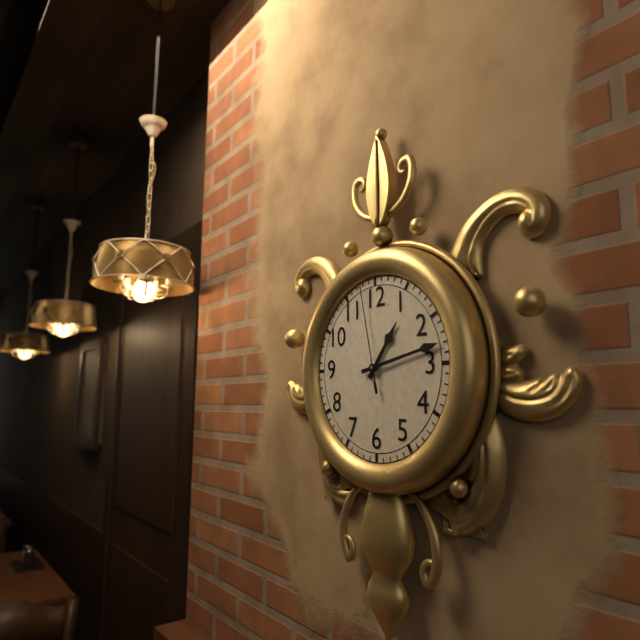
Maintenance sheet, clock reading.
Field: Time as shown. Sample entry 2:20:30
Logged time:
1:13:58
